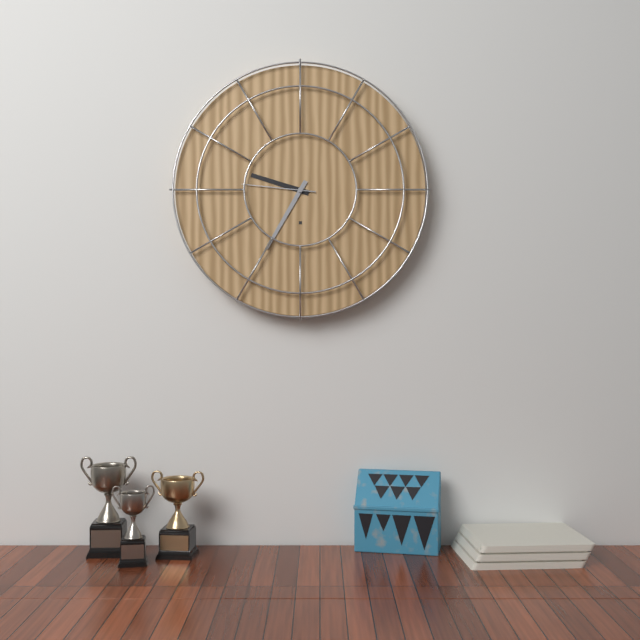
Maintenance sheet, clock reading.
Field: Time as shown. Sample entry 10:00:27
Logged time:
9:35:46
